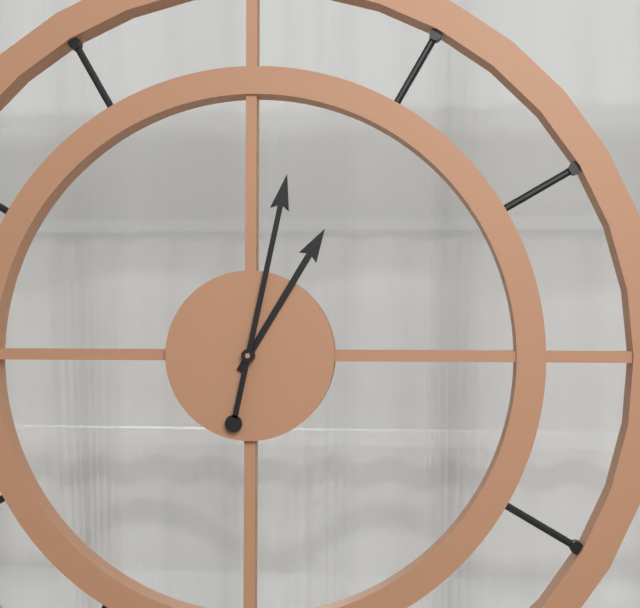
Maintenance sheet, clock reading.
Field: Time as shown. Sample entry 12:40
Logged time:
1:02
